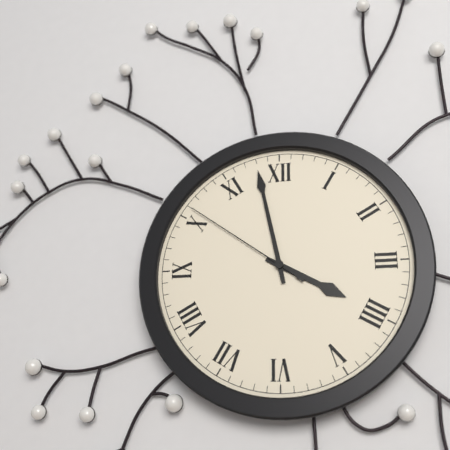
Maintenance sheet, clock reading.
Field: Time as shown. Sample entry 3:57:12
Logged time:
3:58:51
